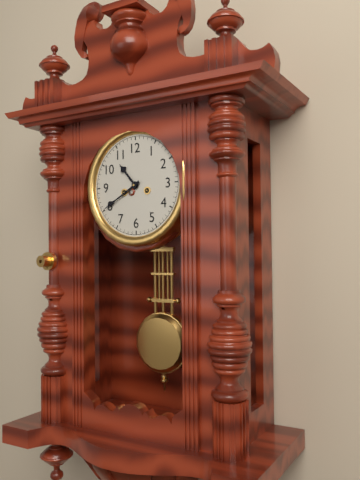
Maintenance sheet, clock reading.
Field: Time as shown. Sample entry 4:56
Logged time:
10:40
